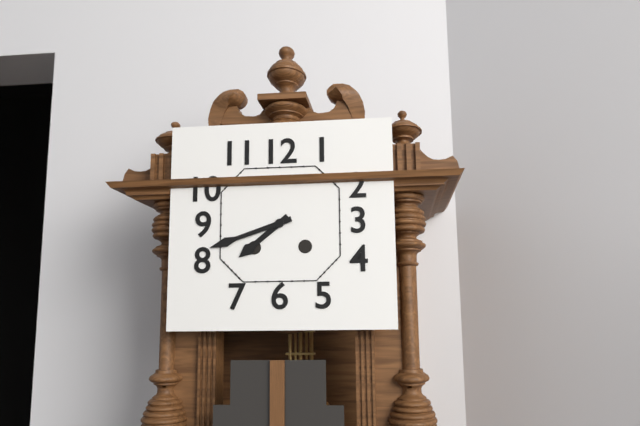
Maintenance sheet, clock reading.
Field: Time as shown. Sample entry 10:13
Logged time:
7:42
